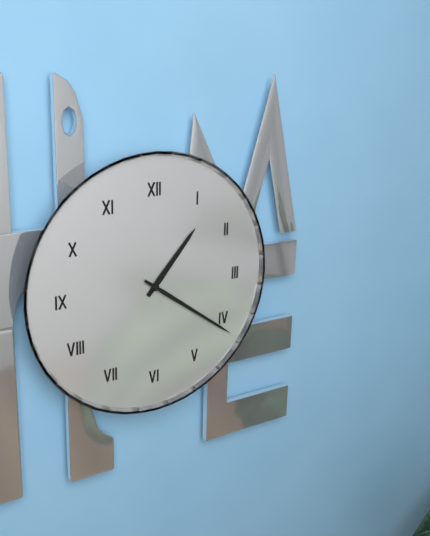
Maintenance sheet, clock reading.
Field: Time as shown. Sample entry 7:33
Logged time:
1:21
